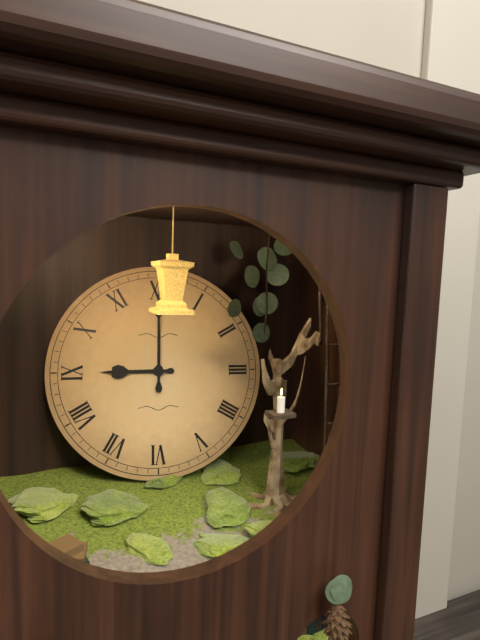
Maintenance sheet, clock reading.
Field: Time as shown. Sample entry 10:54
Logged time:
9:00
